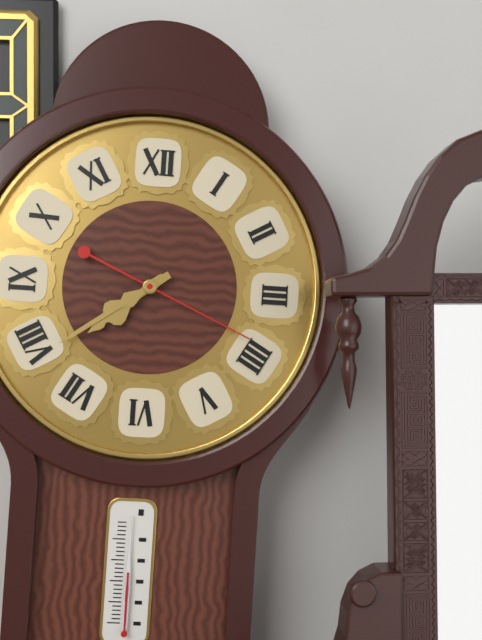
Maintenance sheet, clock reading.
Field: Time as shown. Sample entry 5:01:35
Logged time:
7:39:19
